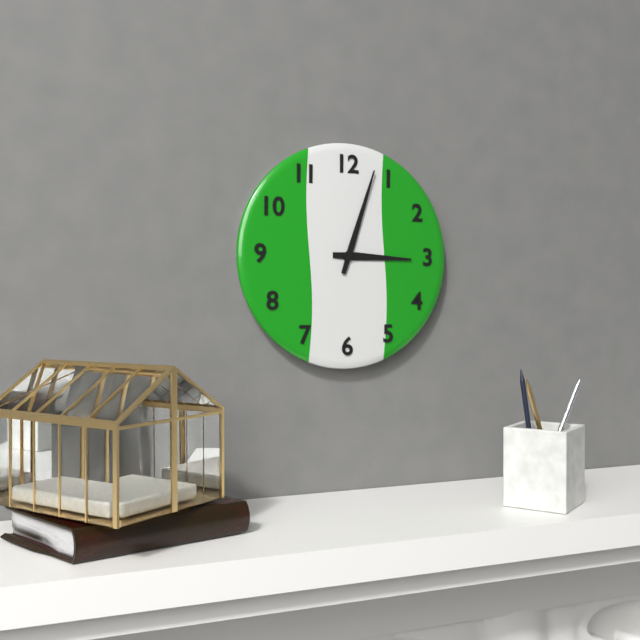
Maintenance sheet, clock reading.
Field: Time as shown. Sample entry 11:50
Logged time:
3:03
